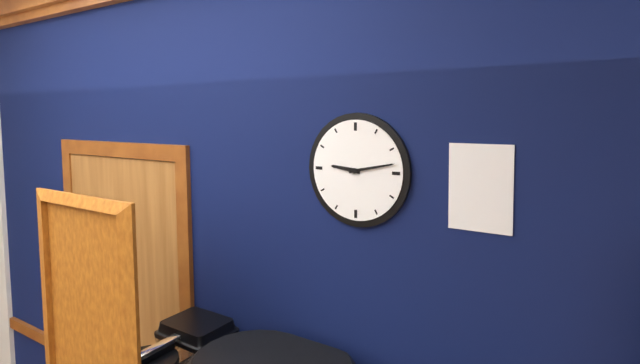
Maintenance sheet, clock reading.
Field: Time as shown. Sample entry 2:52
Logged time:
9:13
